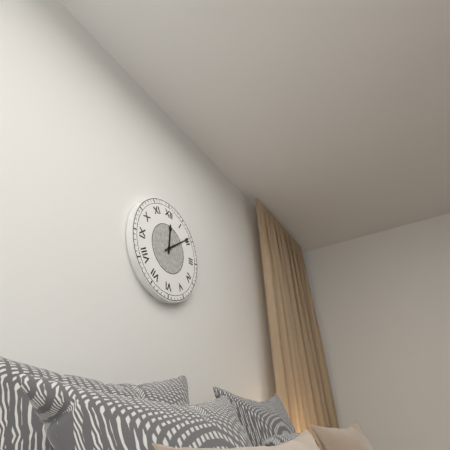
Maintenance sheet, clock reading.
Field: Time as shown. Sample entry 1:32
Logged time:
12:09
